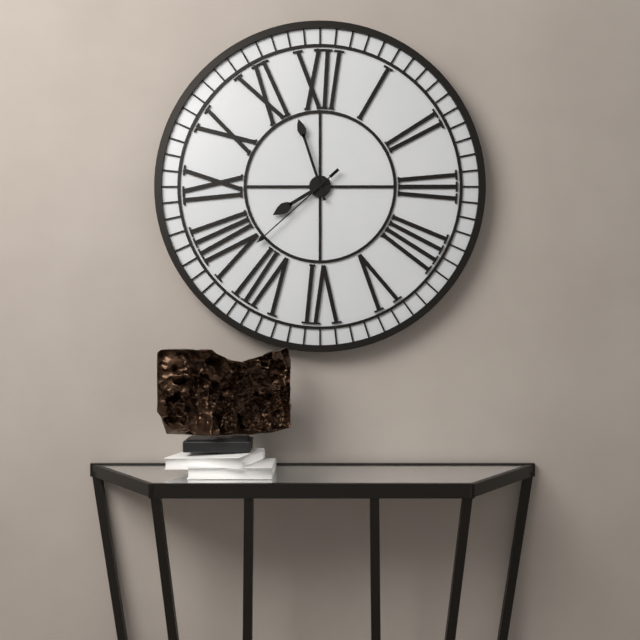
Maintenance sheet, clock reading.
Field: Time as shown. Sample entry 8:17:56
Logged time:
7:57:38
